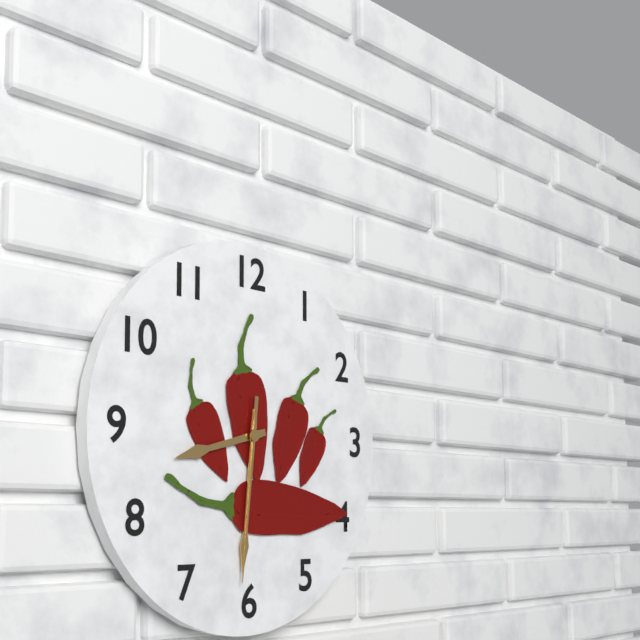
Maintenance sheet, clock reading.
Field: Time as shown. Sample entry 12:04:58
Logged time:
8:31:31
